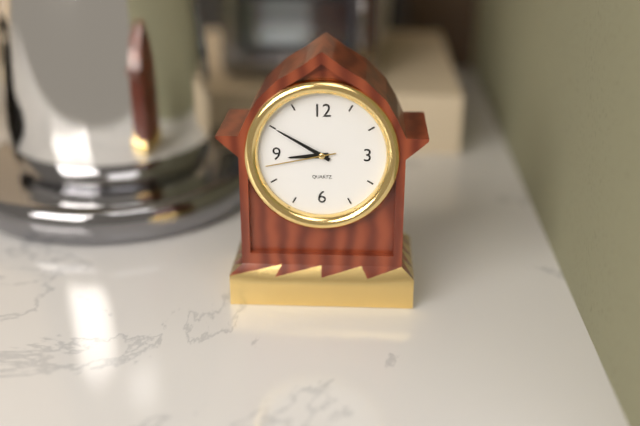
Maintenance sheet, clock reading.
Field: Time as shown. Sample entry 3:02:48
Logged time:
8:50:43
